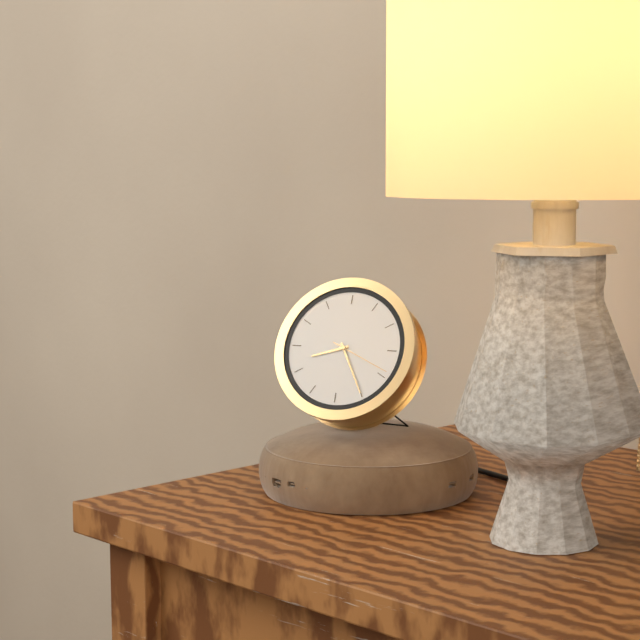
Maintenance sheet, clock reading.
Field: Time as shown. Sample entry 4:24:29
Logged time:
8:25:19
